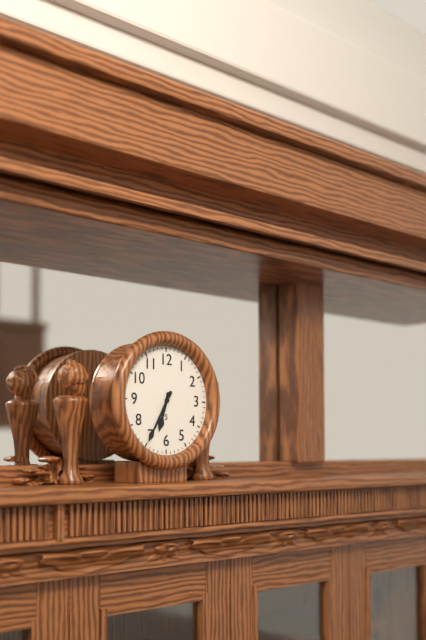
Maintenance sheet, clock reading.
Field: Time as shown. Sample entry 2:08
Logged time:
6:35
